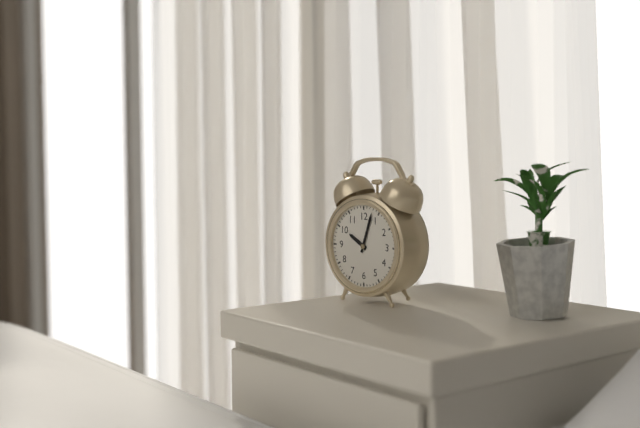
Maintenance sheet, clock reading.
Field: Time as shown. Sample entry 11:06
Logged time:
10:03
